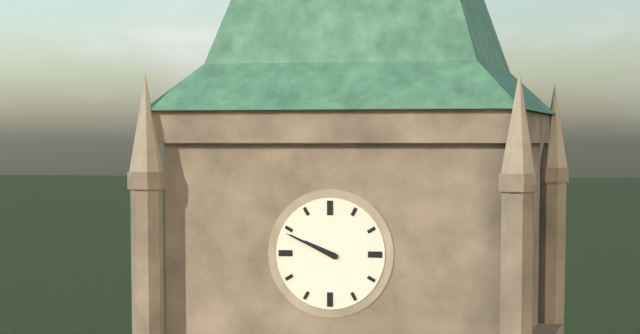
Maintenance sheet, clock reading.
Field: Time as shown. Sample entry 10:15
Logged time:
9:49
